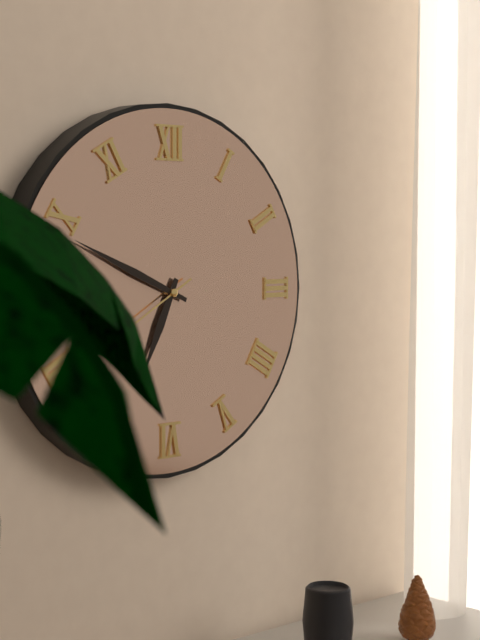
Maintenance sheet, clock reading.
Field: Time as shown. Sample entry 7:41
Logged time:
6:49
